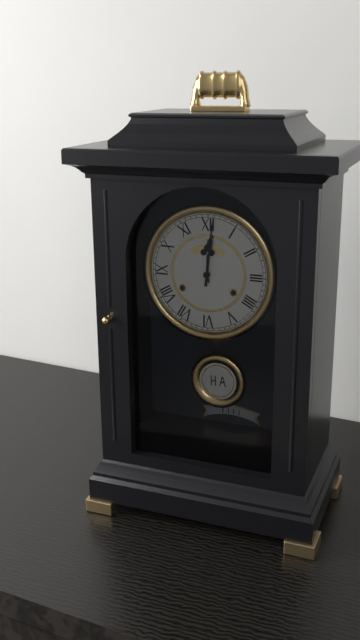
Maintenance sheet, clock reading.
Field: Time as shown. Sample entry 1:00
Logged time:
12:01
